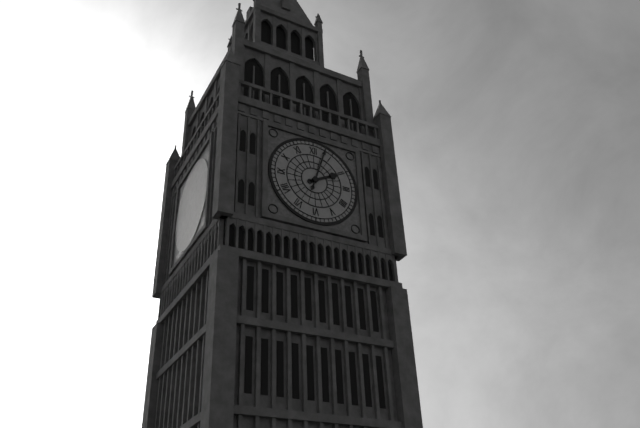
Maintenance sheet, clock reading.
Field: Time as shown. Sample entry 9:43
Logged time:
2:03
